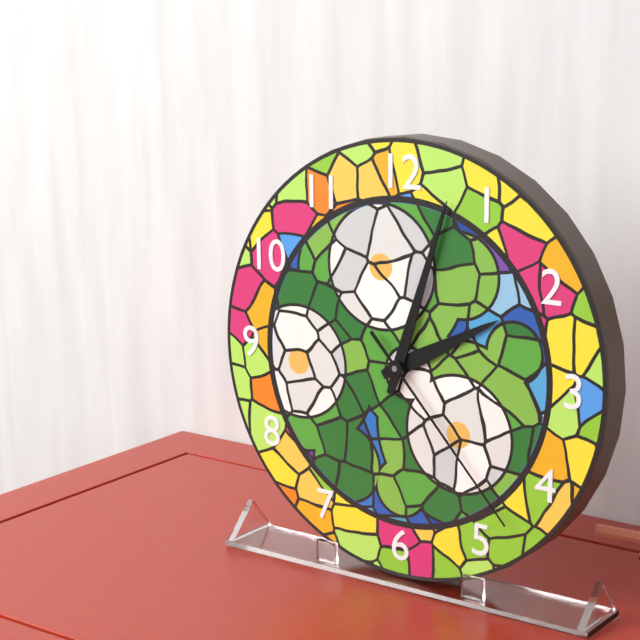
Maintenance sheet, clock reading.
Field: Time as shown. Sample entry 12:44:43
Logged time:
2:03:23
